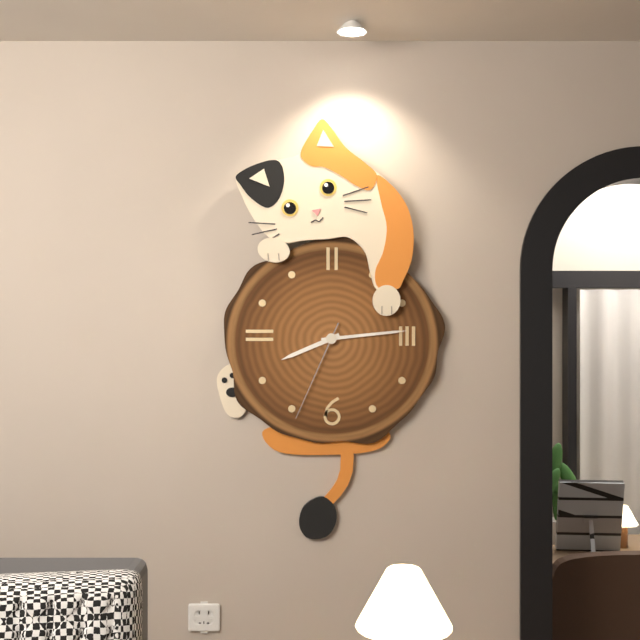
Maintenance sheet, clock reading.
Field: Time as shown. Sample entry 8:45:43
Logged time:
8:14:34
